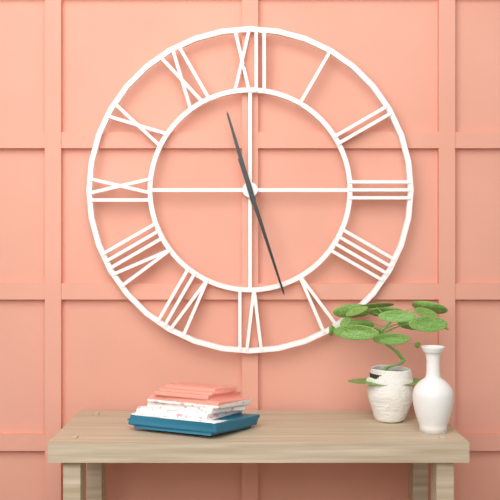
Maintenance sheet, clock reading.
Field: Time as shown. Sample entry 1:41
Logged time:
11:27
